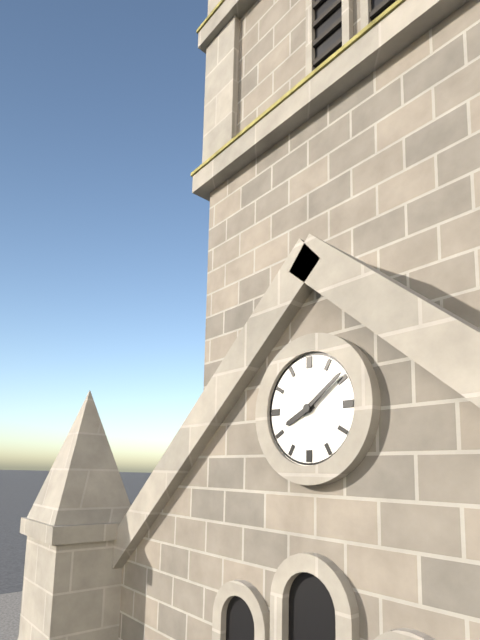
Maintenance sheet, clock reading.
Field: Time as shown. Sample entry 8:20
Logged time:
8:09
